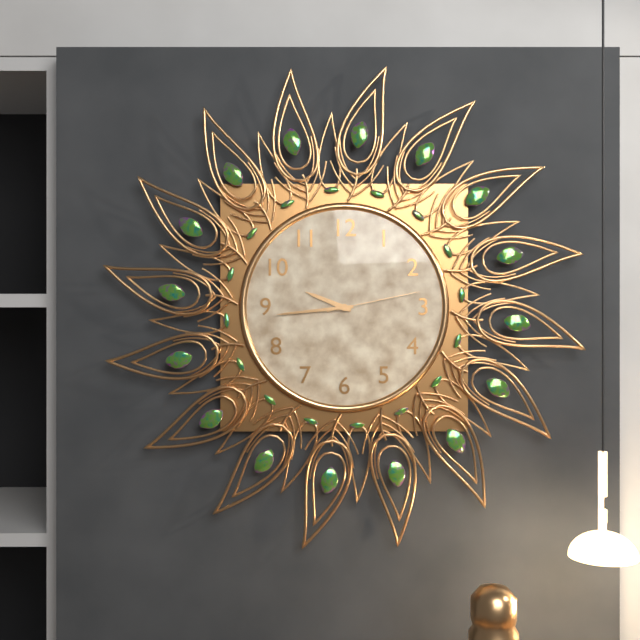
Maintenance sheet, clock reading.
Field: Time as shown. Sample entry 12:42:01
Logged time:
9:44:13
